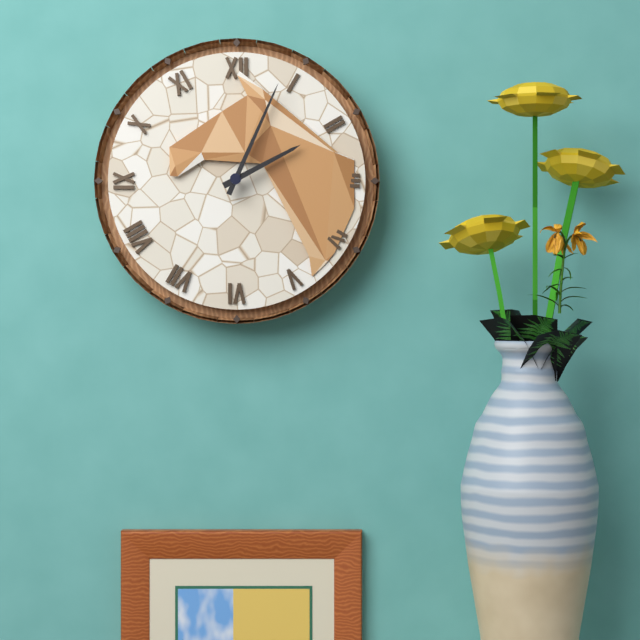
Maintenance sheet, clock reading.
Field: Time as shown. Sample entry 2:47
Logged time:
2:04
